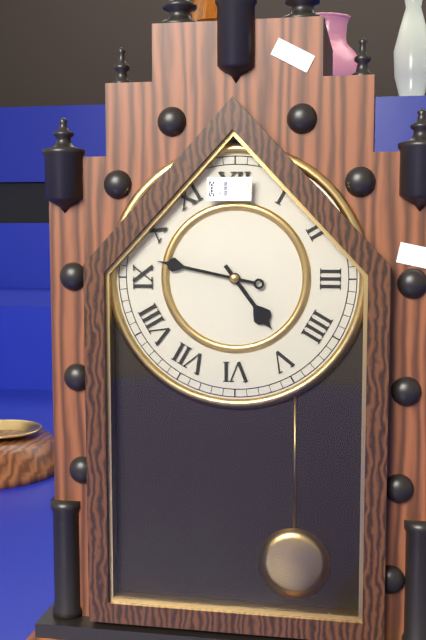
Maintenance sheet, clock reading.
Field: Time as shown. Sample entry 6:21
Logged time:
4:47
